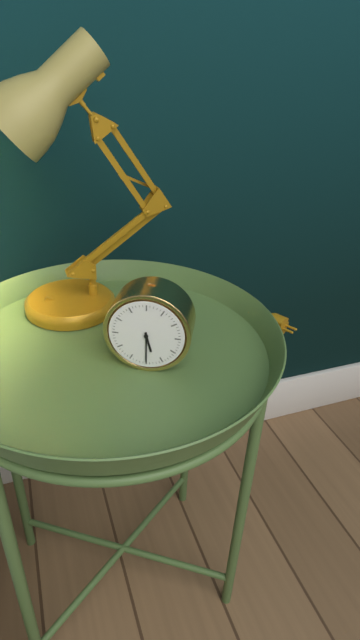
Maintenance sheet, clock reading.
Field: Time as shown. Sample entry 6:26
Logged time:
5:30
